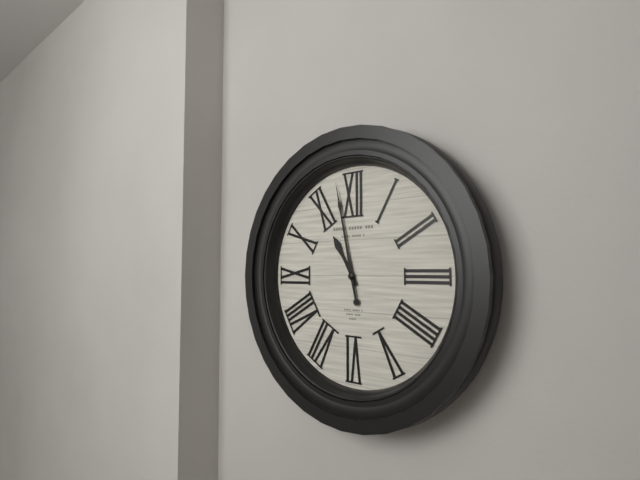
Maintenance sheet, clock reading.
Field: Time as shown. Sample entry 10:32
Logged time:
10:58
